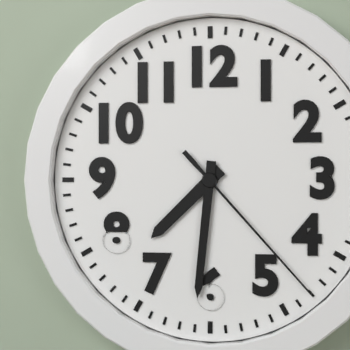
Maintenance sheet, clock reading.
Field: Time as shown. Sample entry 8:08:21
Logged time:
7:31:23
